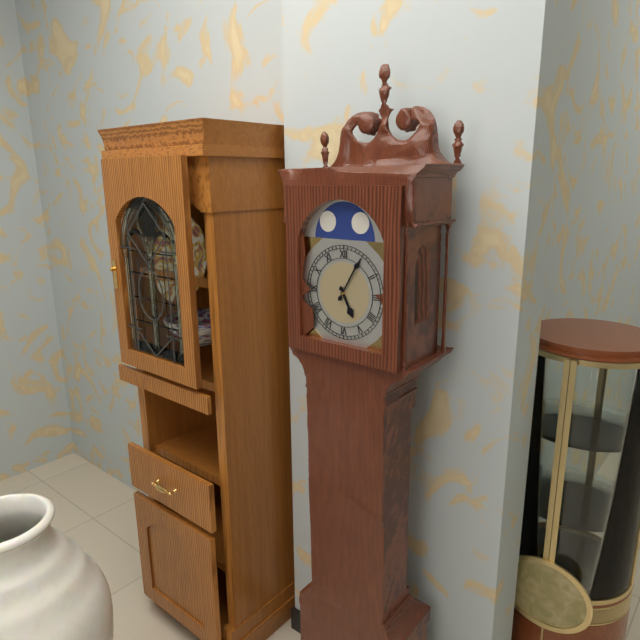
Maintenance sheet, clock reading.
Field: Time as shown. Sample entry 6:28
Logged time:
5:05
